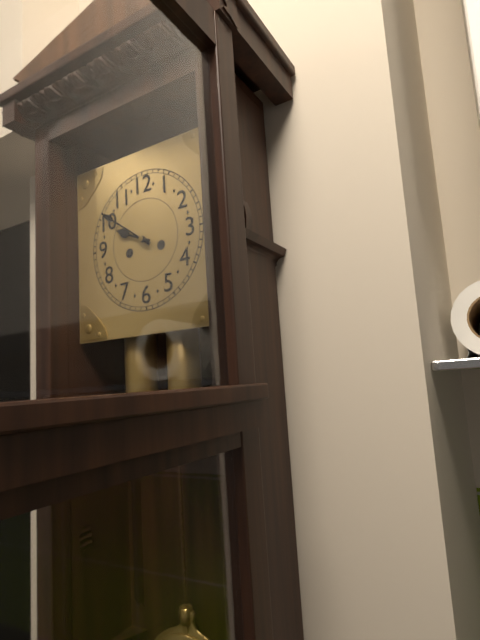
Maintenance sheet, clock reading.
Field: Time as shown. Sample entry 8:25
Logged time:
9:51
